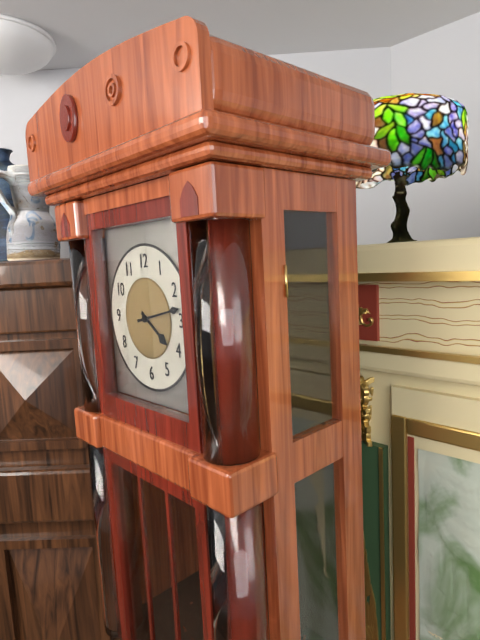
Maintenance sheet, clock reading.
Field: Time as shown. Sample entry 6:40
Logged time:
4:13
